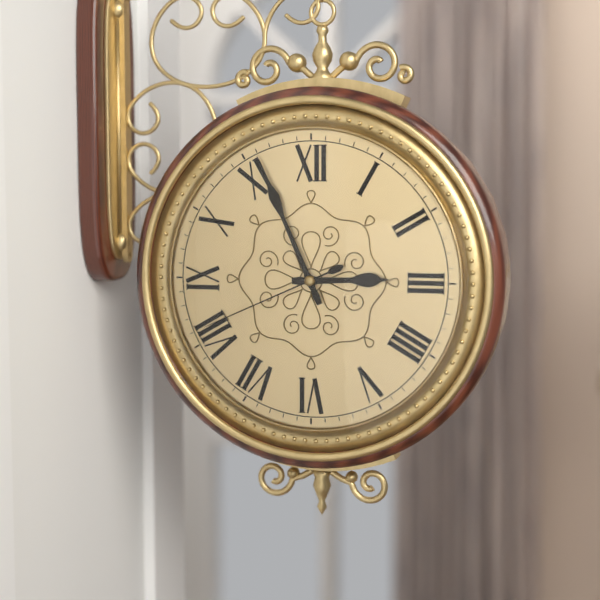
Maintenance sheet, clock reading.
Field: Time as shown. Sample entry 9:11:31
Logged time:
2:56:41
